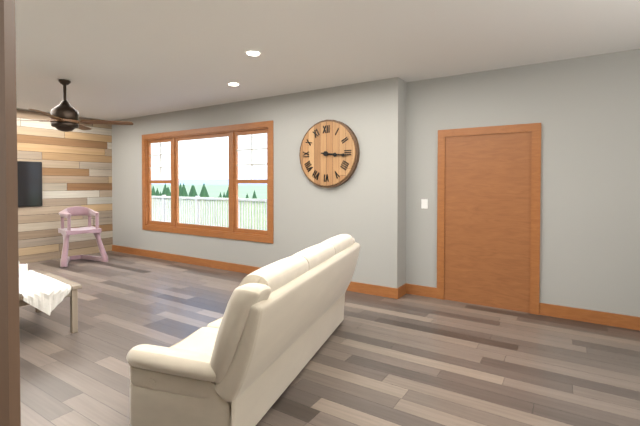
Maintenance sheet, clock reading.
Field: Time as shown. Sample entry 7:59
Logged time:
3:16
